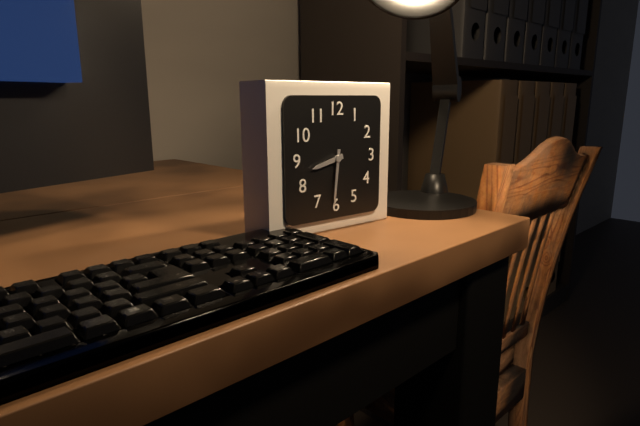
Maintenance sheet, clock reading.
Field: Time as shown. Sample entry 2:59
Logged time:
8:31
